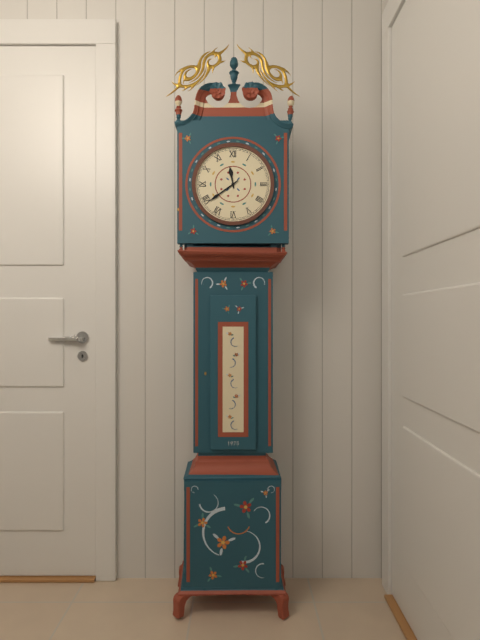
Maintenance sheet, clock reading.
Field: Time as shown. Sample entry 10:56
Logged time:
11:39
